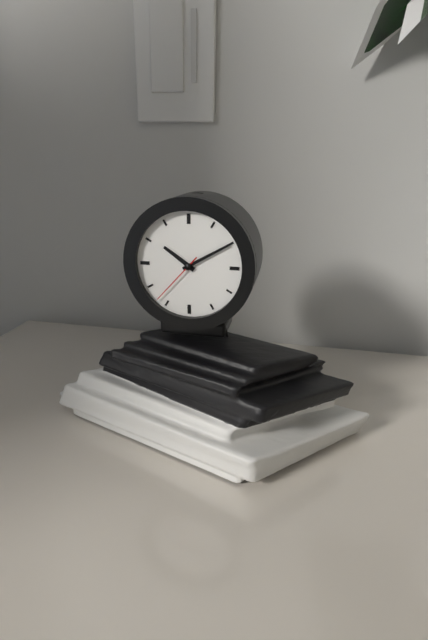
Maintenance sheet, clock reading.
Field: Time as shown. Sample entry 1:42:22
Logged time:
10:10:37
